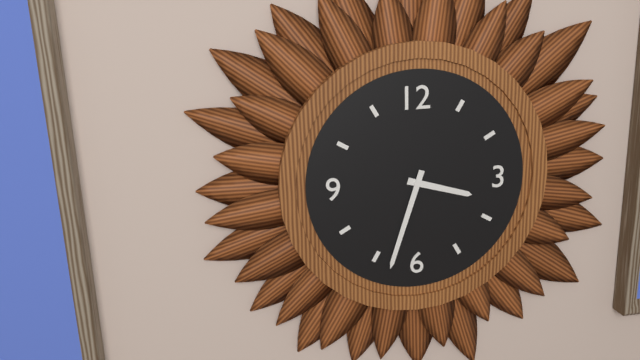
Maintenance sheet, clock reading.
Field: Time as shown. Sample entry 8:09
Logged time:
3:33
